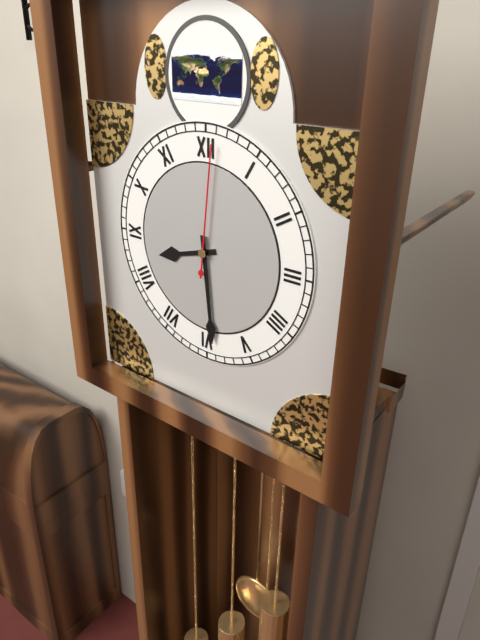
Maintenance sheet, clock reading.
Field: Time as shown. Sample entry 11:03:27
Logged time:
8:29:01
